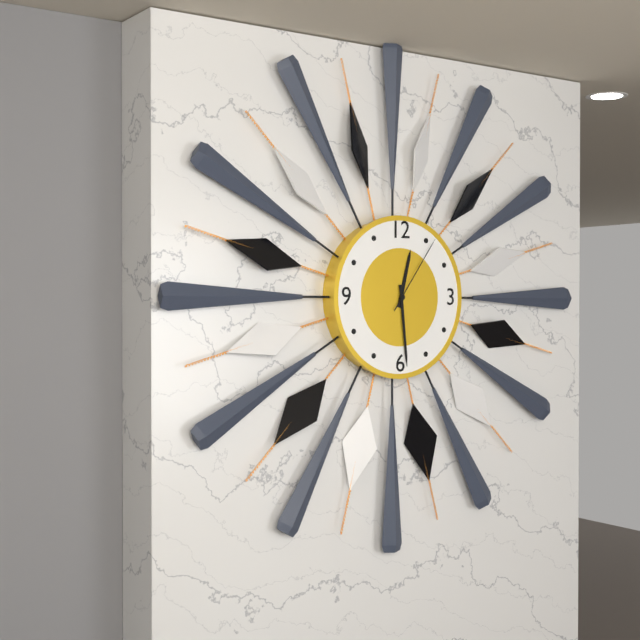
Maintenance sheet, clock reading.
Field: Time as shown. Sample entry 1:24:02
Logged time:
12:29:06
